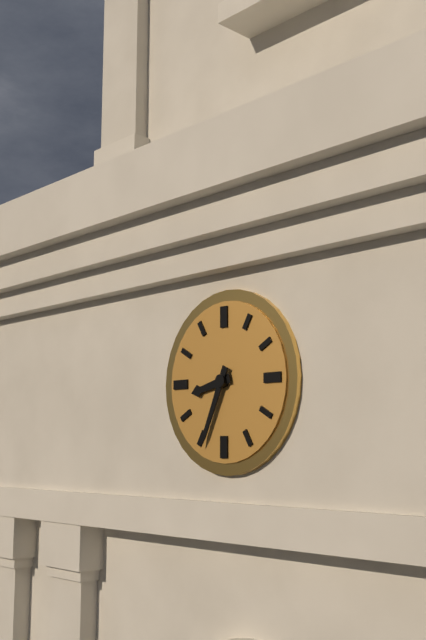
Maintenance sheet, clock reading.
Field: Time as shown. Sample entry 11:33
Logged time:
8:34
